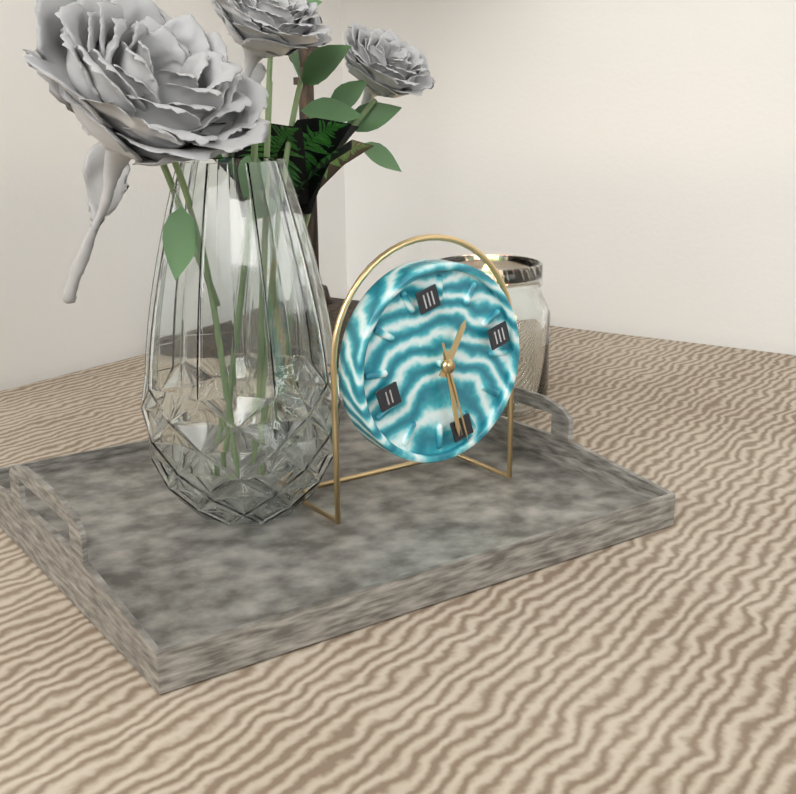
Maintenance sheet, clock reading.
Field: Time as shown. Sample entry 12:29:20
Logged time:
1:31:30
